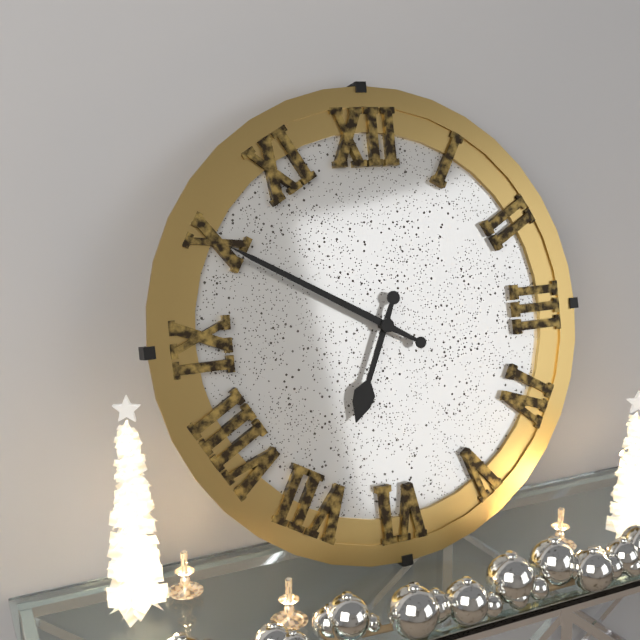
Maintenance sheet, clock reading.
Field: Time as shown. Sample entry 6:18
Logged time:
6:50
